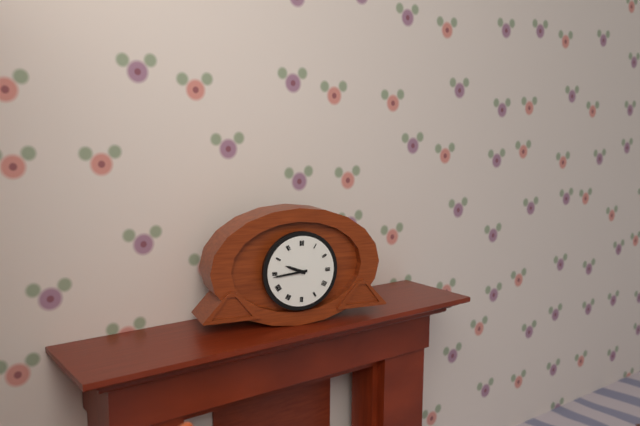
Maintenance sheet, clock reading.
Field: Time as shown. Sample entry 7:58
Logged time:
9:44
